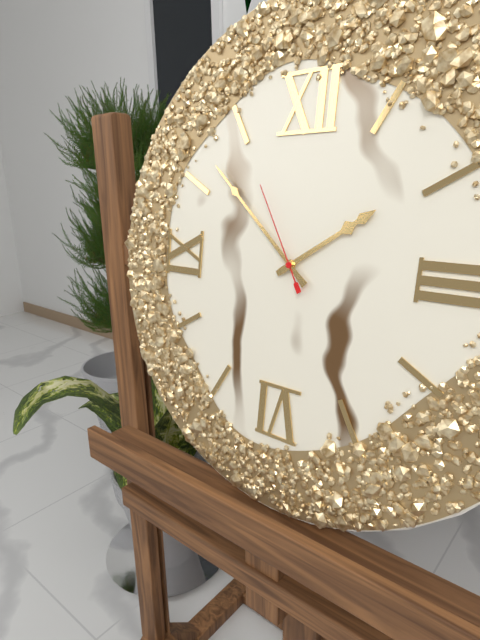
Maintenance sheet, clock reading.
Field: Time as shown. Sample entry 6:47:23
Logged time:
1:52:55
